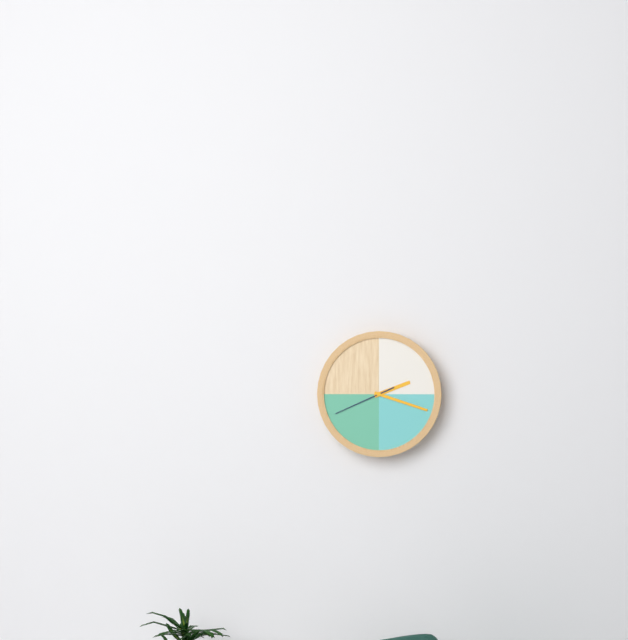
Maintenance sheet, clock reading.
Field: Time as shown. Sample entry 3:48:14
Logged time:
2:18:41
